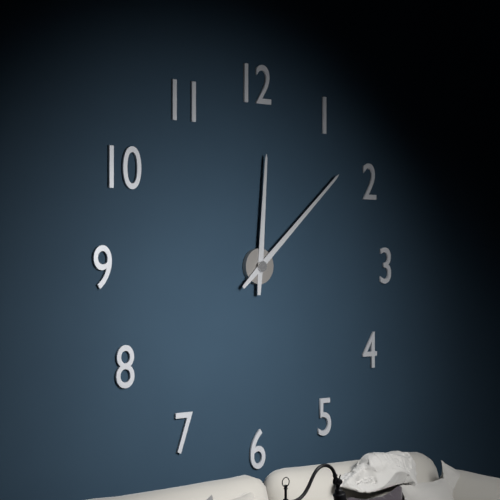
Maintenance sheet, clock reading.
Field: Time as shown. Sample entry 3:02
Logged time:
12:08
